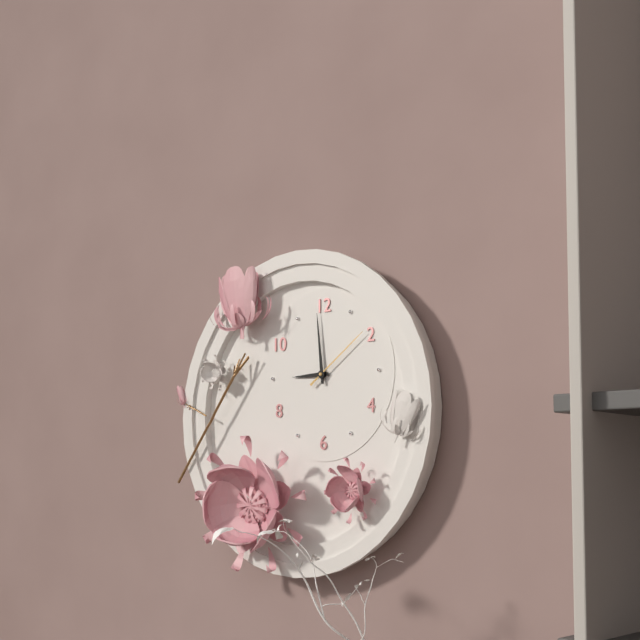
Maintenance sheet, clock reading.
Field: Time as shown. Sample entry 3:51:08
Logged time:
8:59:09
